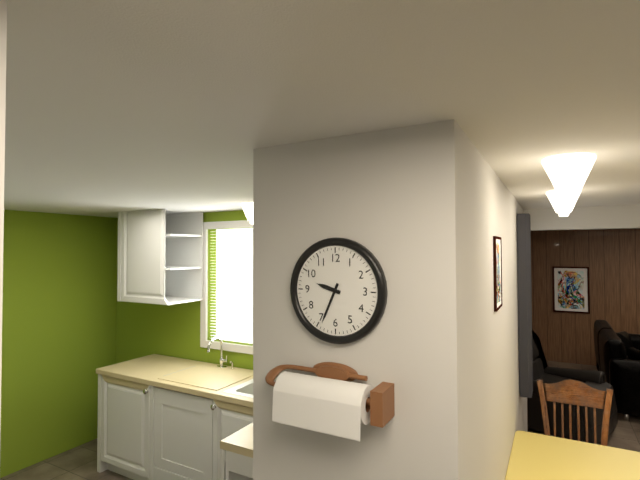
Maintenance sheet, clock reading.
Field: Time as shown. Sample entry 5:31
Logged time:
9:34
